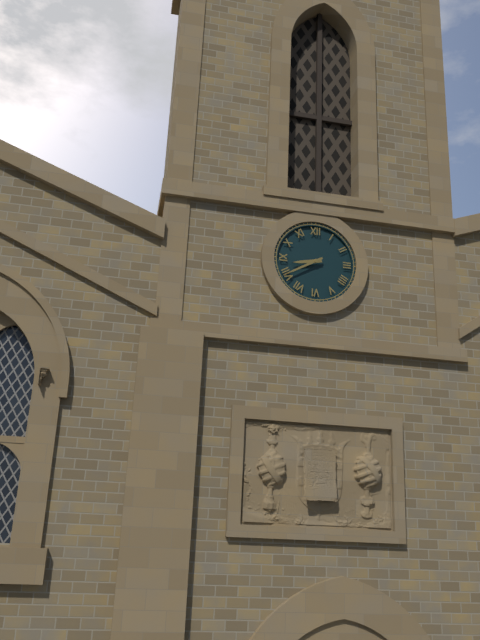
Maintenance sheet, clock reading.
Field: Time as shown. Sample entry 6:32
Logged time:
8:40
